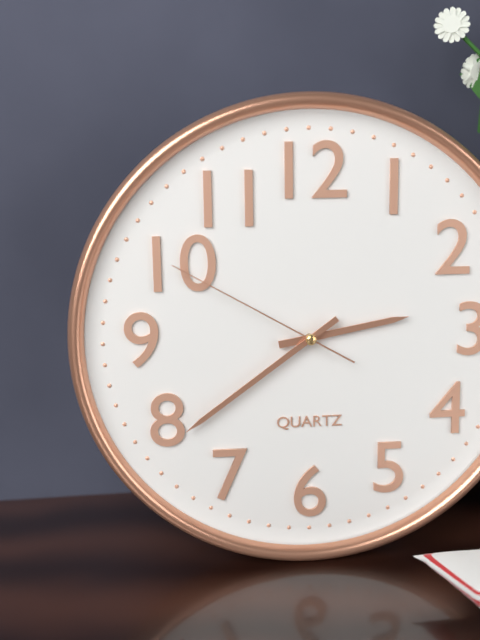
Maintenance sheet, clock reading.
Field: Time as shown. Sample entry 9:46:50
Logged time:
2:39:50
